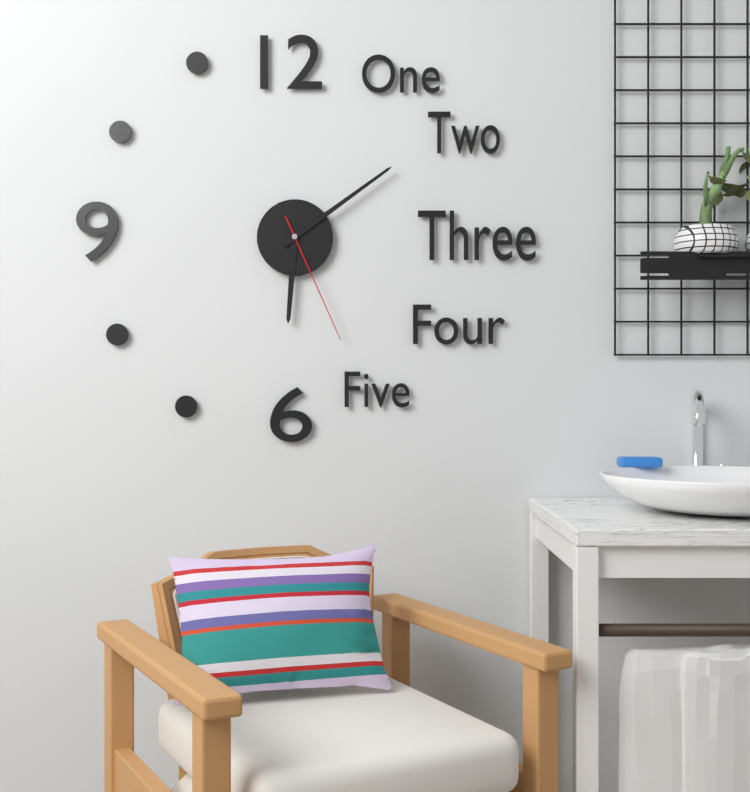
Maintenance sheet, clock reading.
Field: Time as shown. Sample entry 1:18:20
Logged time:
6:09:26
